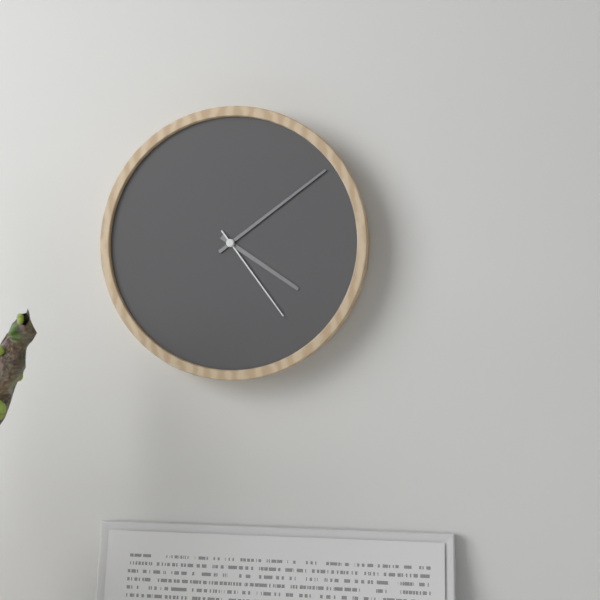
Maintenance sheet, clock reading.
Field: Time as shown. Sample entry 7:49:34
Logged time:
4:09:24
